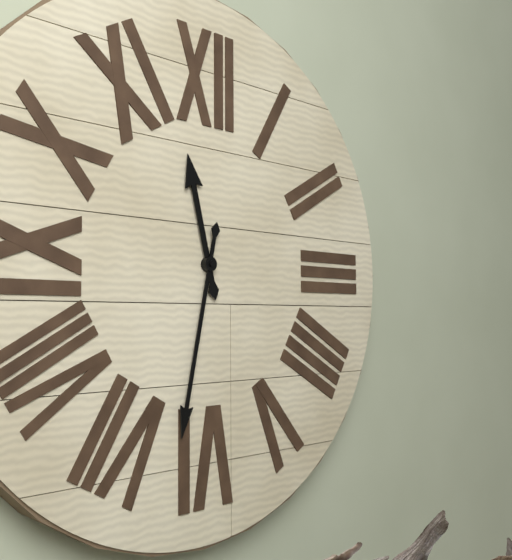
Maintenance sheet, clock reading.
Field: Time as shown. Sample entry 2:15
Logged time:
11:32
